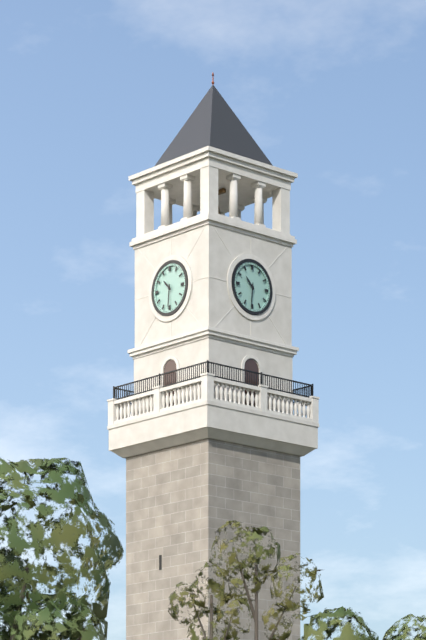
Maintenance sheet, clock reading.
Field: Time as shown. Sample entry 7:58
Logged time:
10:31
